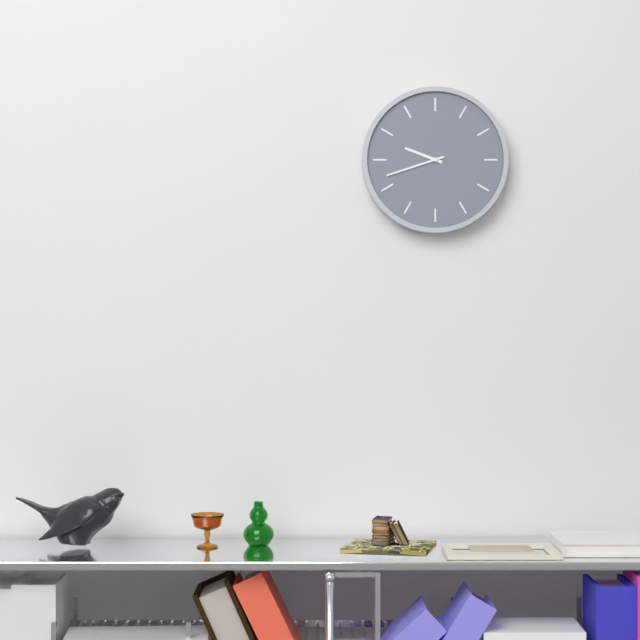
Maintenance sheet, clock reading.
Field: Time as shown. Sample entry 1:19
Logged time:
9:42
